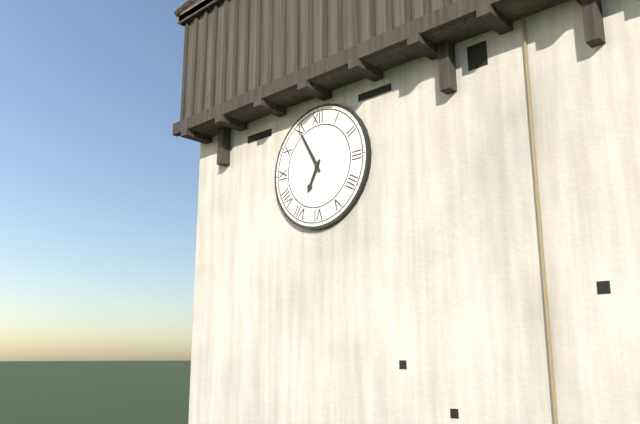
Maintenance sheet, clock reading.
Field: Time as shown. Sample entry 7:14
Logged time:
6:55
